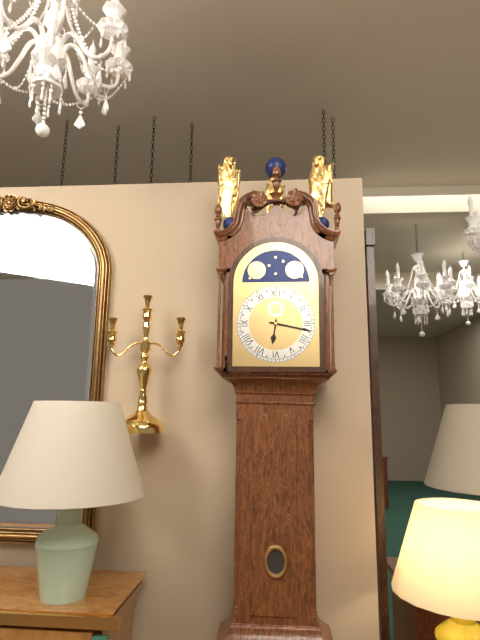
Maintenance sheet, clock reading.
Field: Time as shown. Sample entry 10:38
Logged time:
6:17
